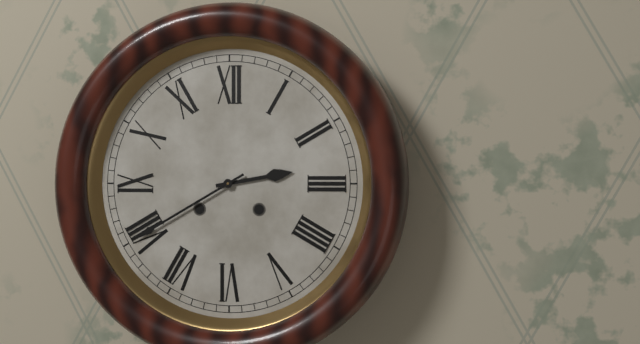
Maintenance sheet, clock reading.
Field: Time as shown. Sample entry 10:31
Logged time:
2:40
